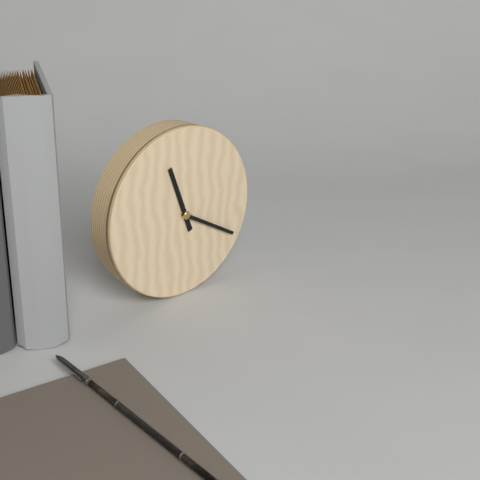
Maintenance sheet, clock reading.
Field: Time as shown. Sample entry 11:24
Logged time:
11:20
